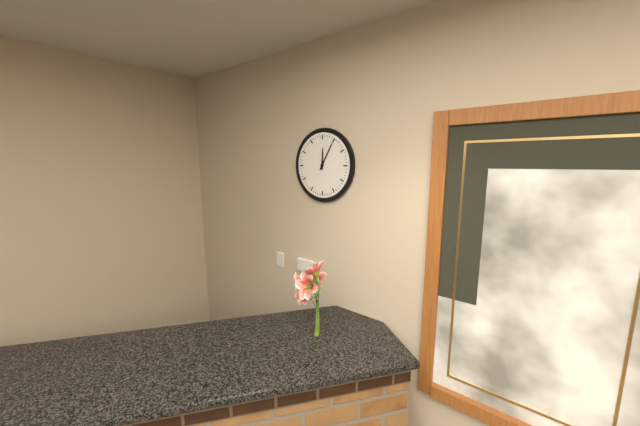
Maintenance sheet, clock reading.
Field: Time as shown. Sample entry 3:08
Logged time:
12:05
